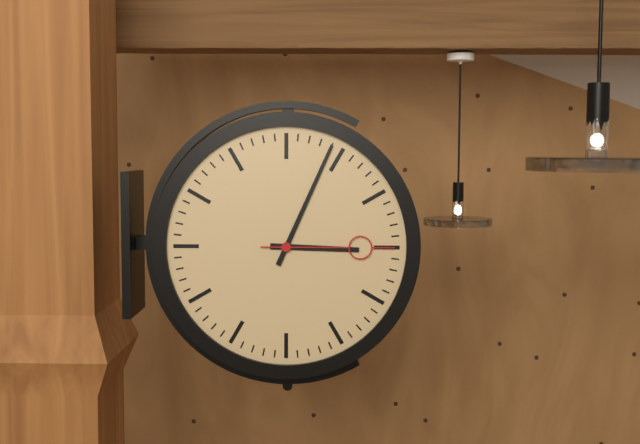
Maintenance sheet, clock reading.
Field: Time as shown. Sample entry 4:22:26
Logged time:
3:04:15
